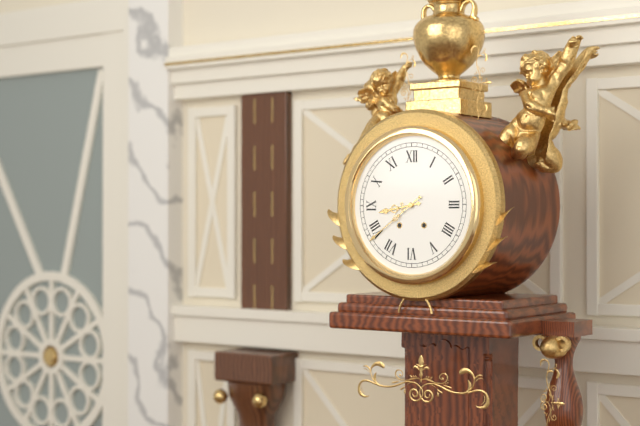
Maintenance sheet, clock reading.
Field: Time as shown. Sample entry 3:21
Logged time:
8:39
